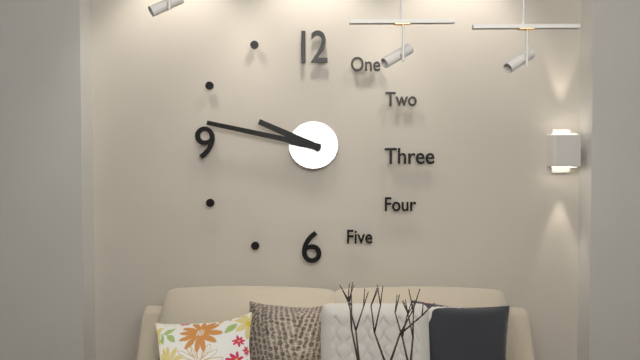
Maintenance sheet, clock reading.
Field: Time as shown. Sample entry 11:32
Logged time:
9:47
